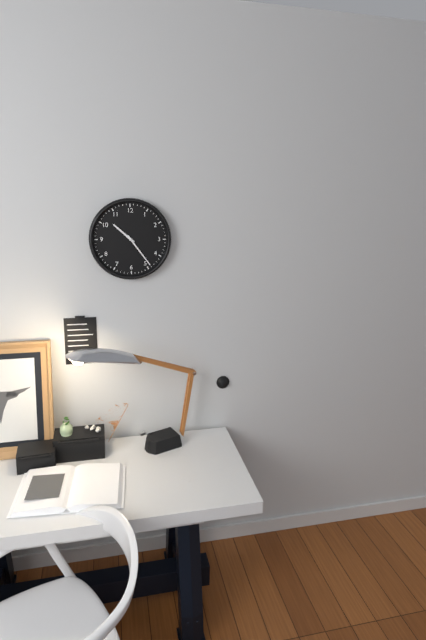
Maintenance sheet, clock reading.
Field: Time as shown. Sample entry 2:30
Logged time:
10:24
